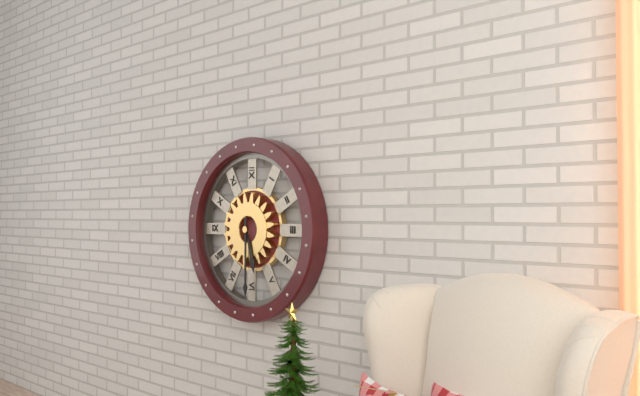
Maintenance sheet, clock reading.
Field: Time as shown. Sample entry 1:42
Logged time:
5:30
